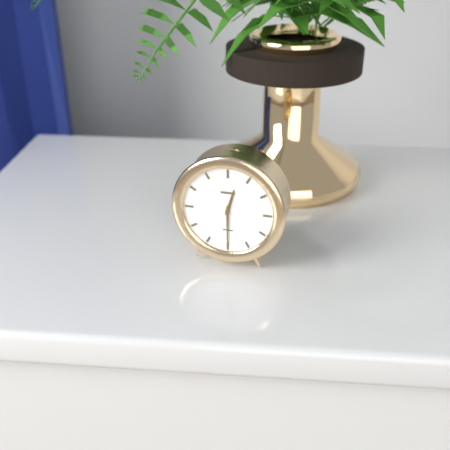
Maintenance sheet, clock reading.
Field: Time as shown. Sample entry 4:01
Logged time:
12:30
